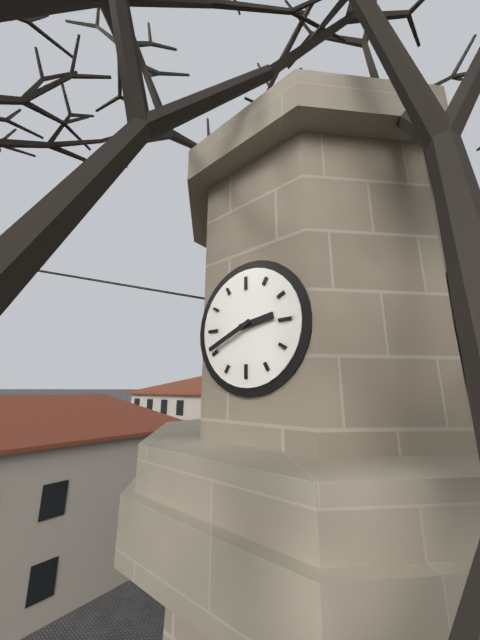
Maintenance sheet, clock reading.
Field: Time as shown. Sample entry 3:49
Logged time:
2:41
